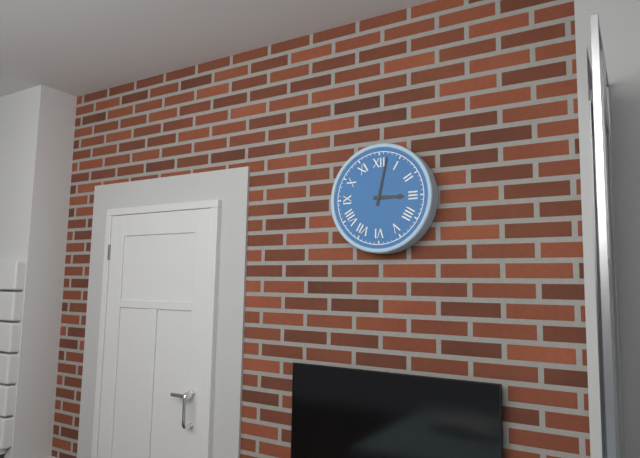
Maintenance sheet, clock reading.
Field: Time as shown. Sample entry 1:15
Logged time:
3:02
